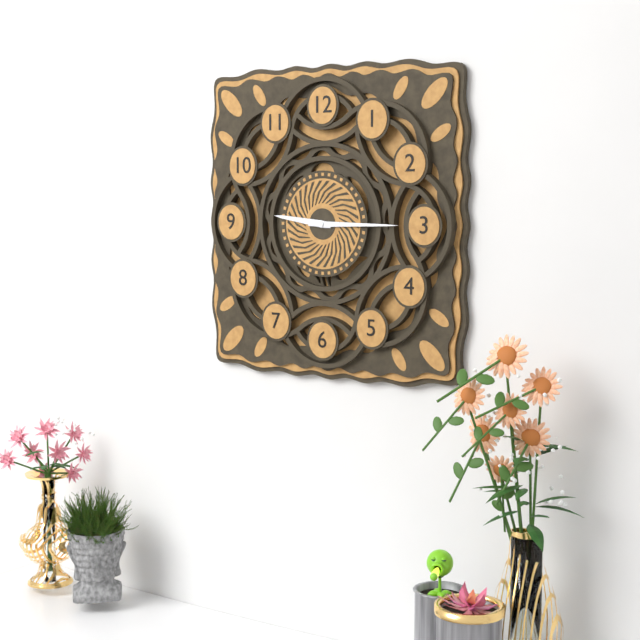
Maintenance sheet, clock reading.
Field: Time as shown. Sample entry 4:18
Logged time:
9:15
